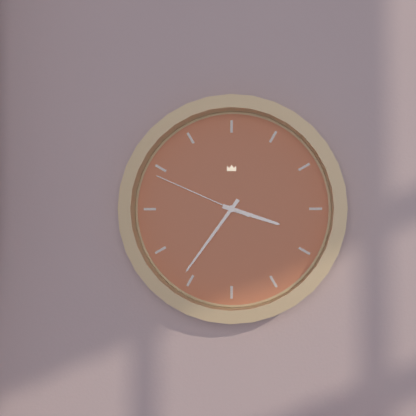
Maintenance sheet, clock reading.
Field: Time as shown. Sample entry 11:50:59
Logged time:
3:36:49
